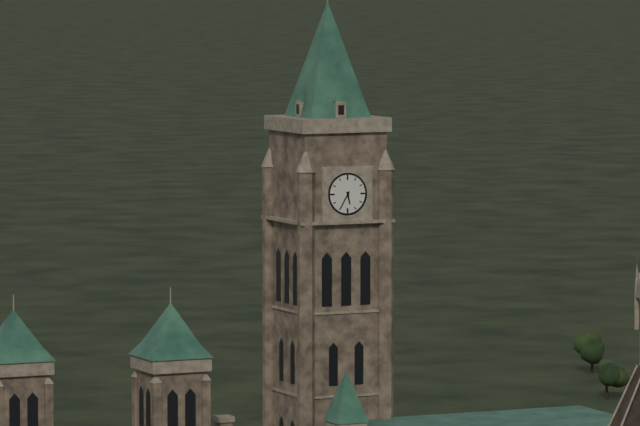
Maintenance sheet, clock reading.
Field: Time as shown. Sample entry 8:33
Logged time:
5:35
